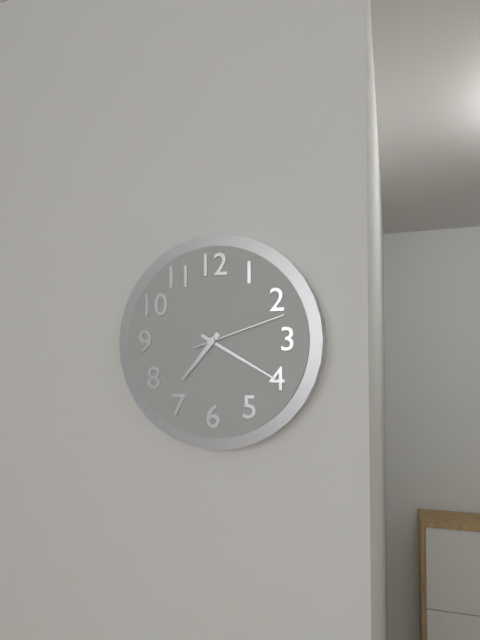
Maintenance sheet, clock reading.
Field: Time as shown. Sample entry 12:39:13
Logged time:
7:20:12
